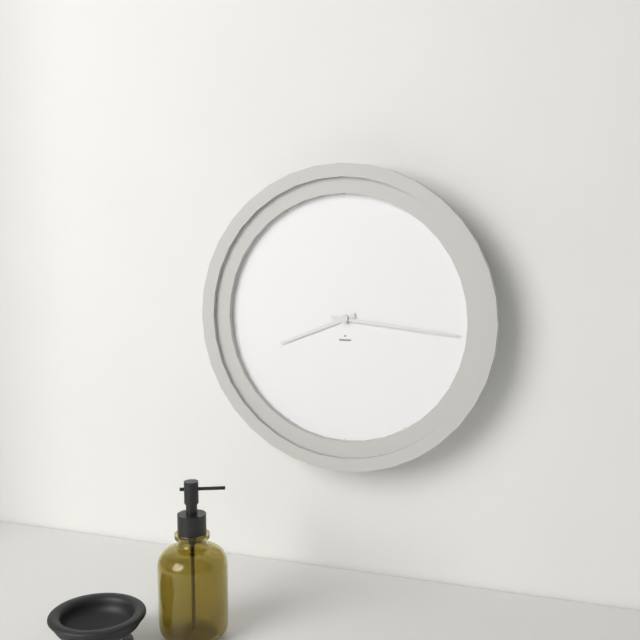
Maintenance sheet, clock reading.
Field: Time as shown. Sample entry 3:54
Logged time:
8:16
